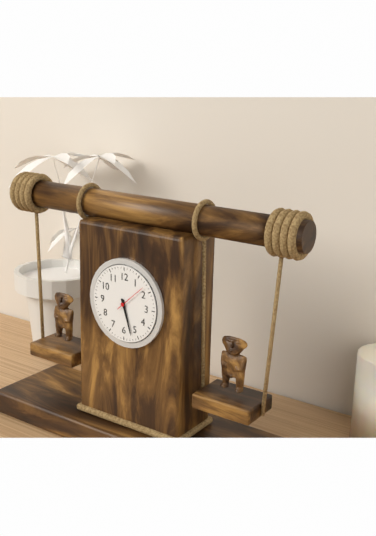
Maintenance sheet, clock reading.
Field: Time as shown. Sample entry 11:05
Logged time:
5:27
